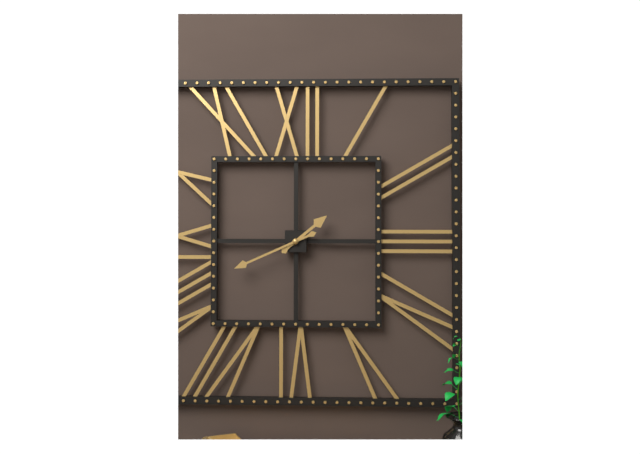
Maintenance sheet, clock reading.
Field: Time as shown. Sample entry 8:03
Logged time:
1:41
